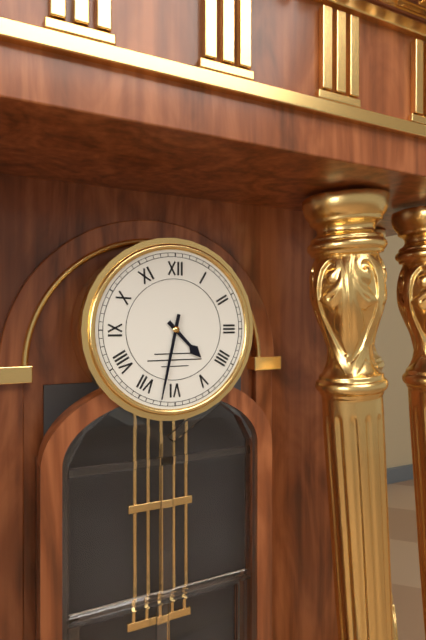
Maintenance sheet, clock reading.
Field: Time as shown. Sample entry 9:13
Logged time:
4:32
